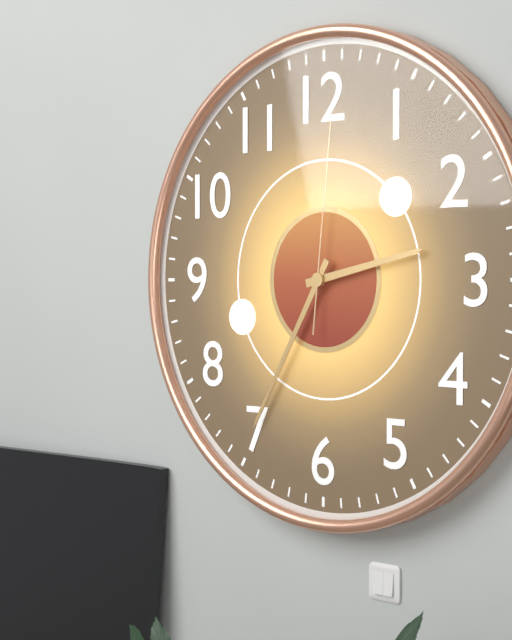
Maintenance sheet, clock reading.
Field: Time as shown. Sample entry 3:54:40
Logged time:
2:35:01
